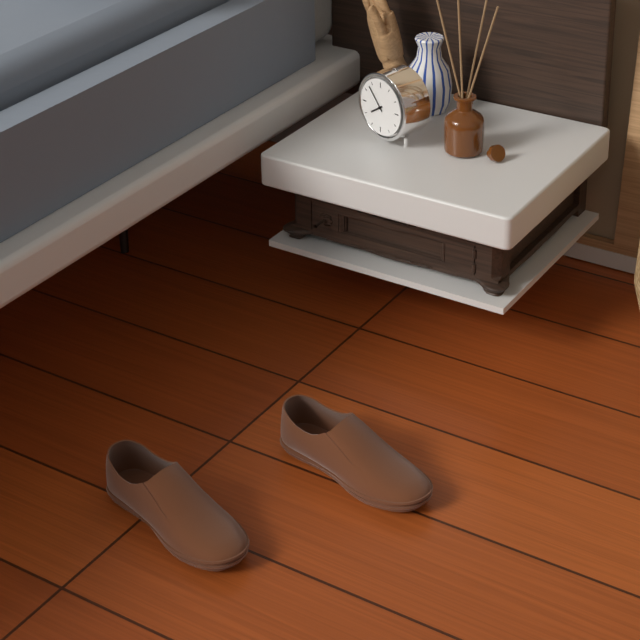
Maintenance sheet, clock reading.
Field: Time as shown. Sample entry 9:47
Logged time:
7:53
